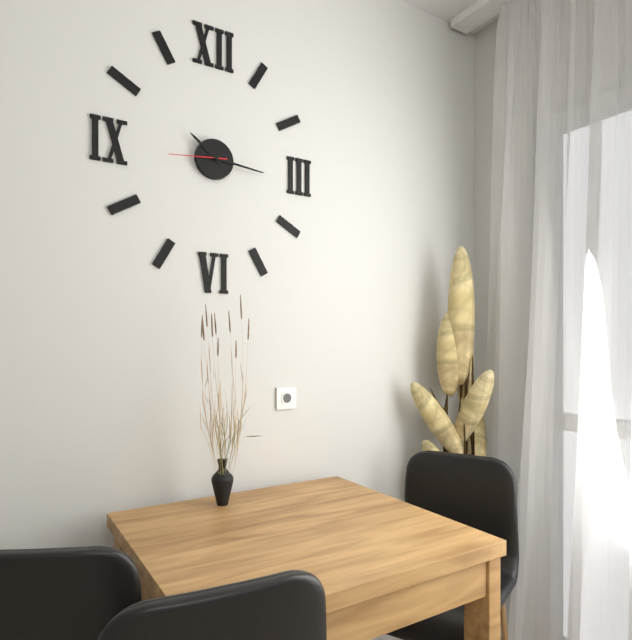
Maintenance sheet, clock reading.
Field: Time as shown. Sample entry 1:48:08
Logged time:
10:16:44
